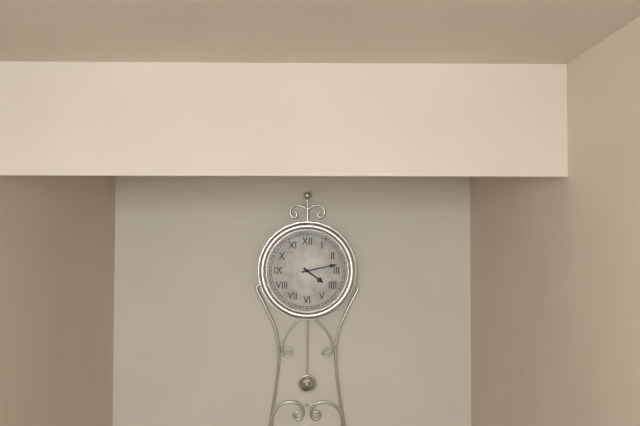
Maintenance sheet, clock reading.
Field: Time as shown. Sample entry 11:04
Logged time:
4:13
